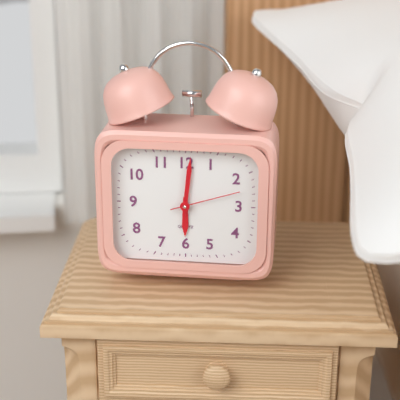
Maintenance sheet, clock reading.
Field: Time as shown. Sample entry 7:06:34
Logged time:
6:01:12
